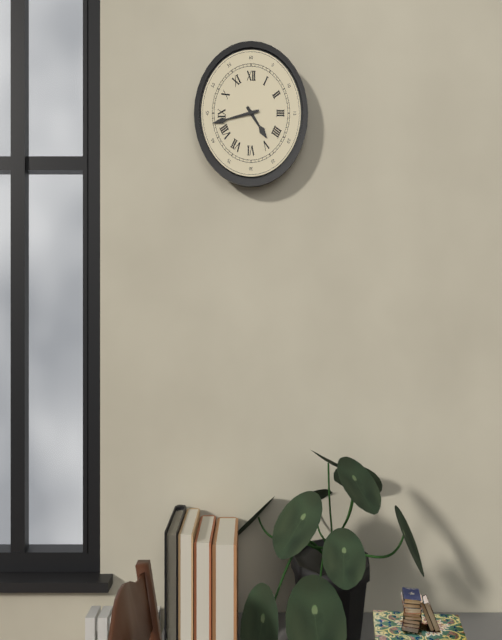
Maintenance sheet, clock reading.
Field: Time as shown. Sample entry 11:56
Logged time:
4:43
